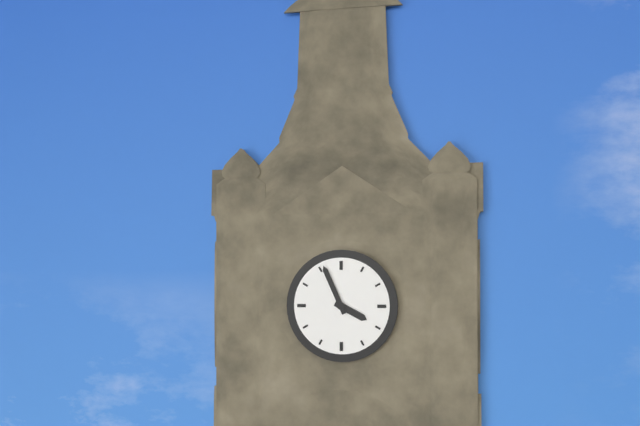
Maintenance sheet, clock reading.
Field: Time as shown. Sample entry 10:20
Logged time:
3:56
